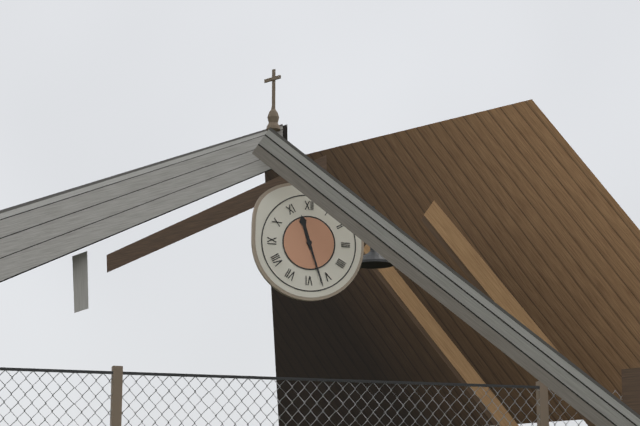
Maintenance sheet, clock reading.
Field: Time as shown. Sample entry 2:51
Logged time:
11:27
